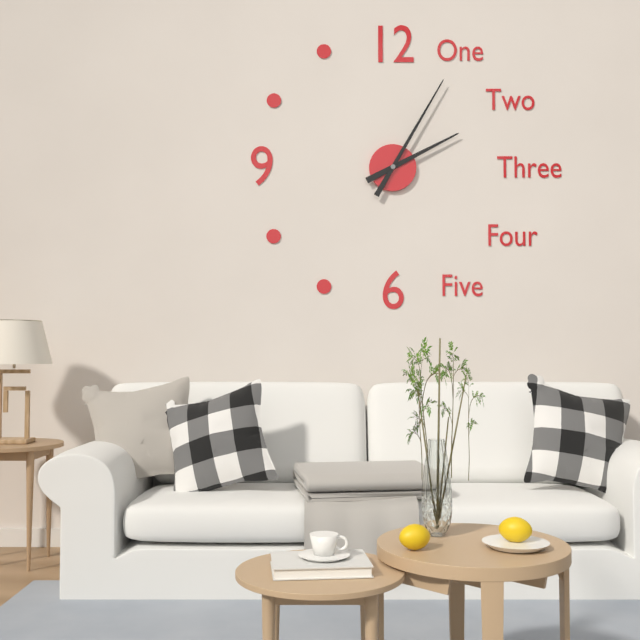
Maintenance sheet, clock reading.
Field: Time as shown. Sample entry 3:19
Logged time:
2:05
